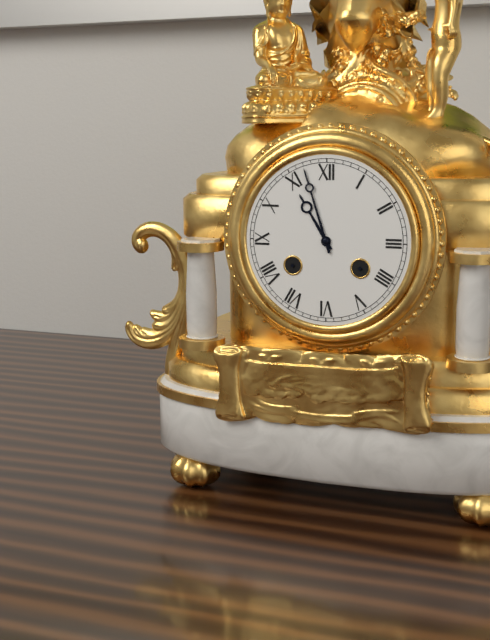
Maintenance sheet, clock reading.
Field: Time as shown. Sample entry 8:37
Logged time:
10:57
